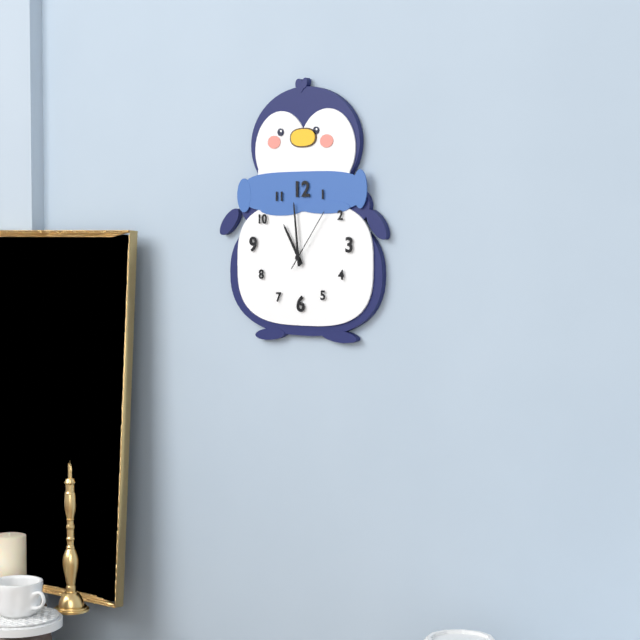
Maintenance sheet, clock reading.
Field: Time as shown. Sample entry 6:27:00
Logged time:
10:59:06
